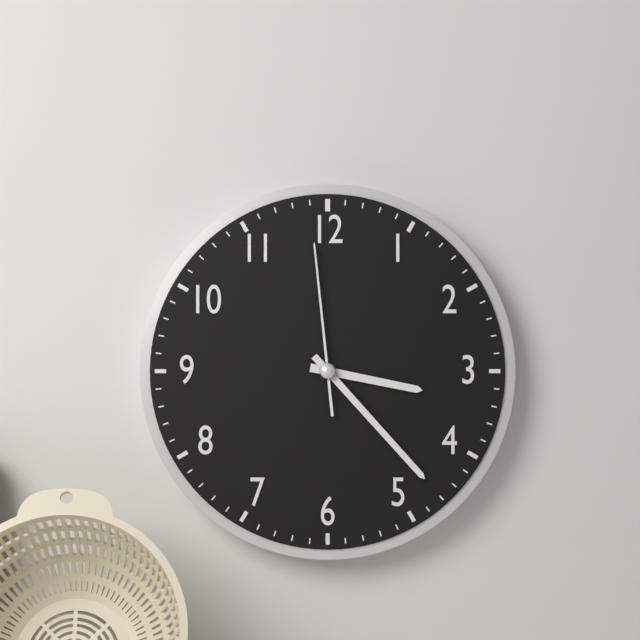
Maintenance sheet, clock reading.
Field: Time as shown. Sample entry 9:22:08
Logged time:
3:23:59
